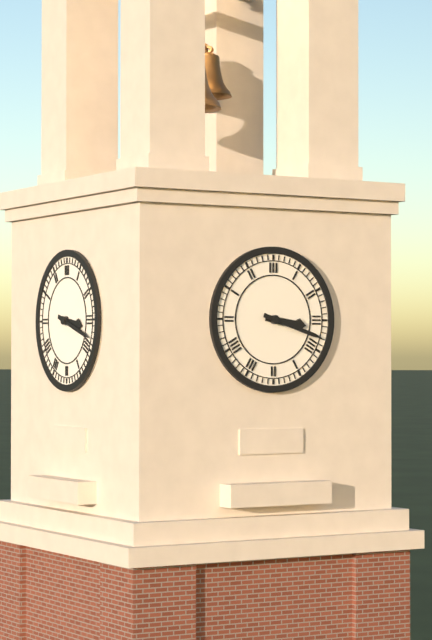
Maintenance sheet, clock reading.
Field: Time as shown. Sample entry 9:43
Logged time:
3:18
